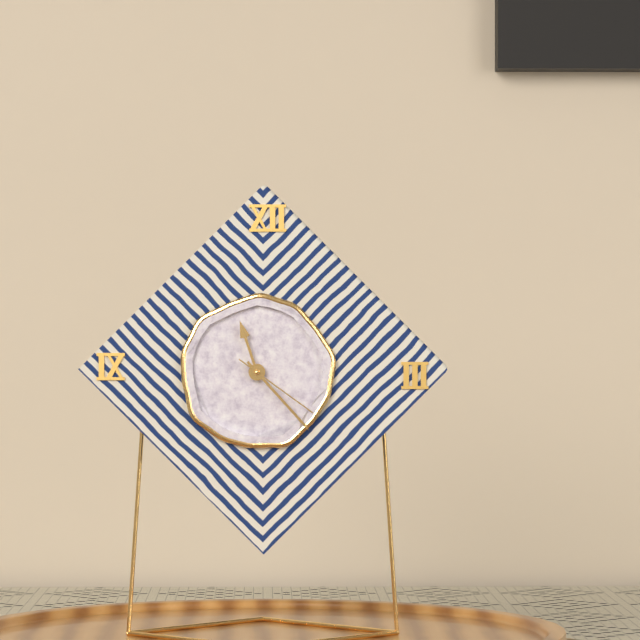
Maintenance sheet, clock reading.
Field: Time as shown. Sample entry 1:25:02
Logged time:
11:23:21
